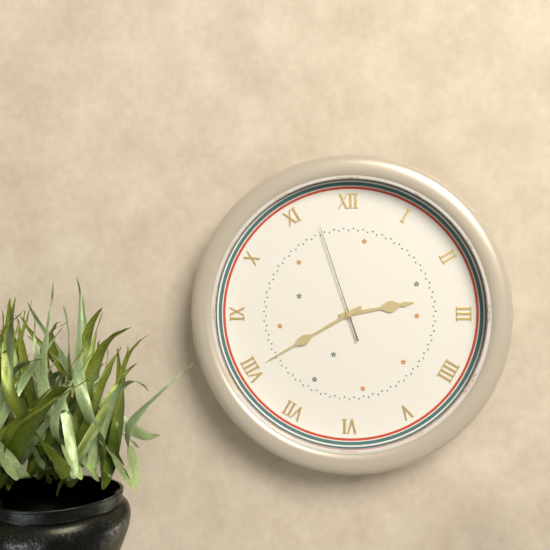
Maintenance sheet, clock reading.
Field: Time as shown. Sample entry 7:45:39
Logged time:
2:40:57
